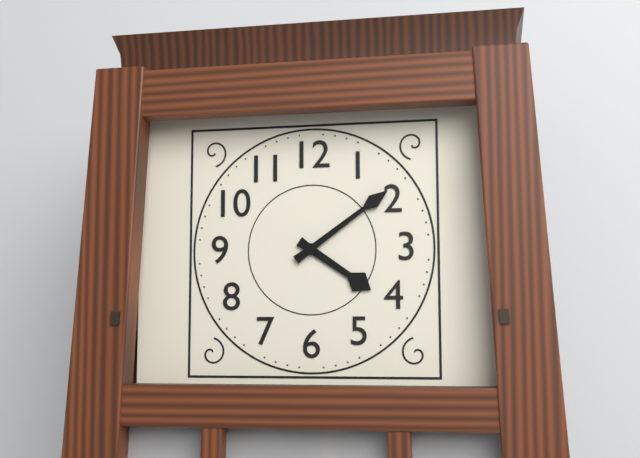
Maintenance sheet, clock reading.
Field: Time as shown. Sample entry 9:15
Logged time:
4:09
